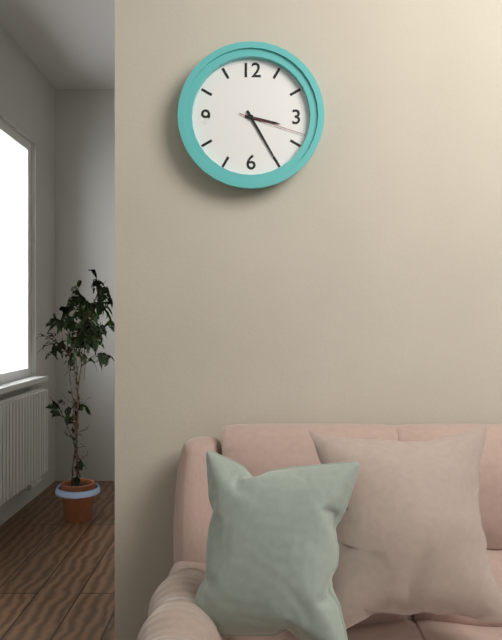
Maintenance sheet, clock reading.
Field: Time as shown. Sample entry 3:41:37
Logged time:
3:25:18
